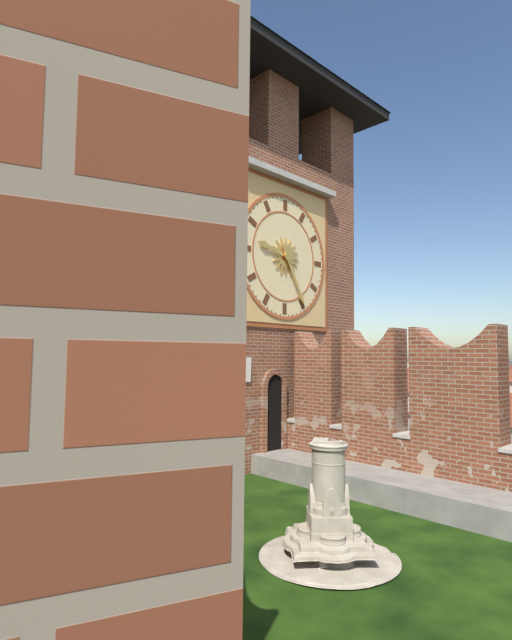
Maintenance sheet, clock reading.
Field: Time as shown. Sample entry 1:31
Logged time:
9:25
